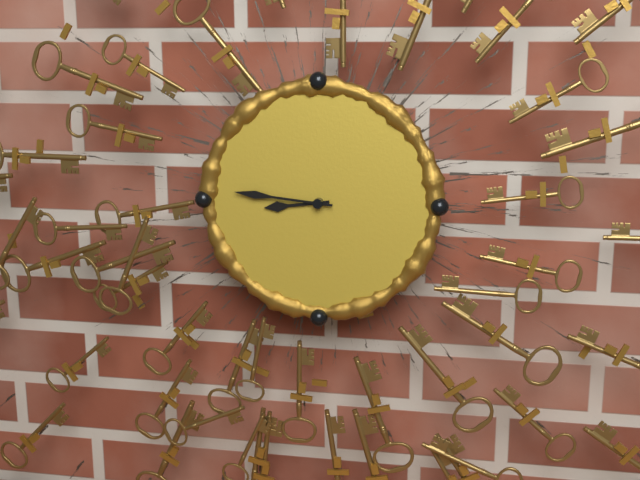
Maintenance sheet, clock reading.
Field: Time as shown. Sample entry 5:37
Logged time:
8:46
